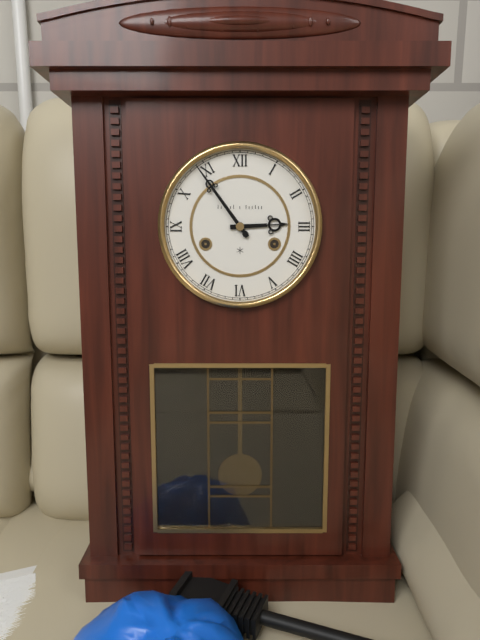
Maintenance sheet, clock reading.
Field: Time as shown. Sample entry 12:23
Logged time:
2:54
